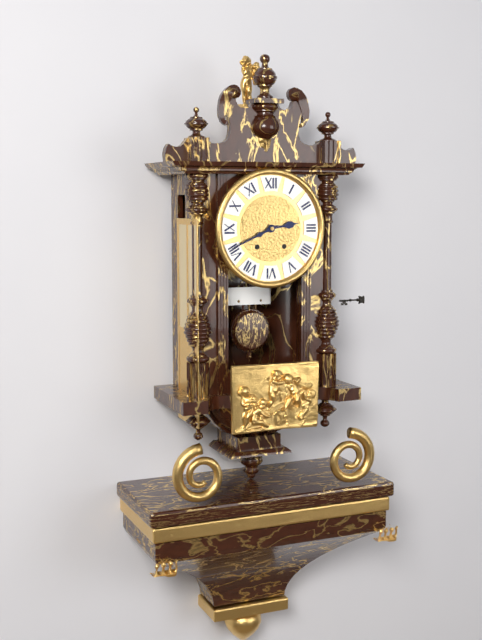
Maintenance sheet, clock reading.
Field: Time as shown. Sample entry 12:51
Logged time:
2:41
